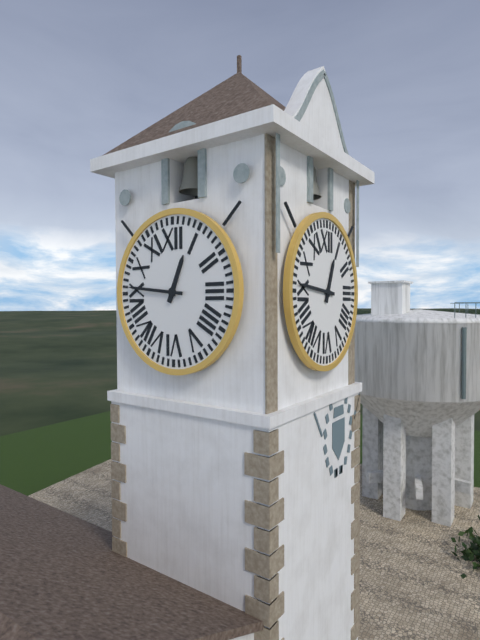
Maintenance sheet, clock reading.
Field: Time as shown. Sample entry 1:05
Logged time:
12:46
